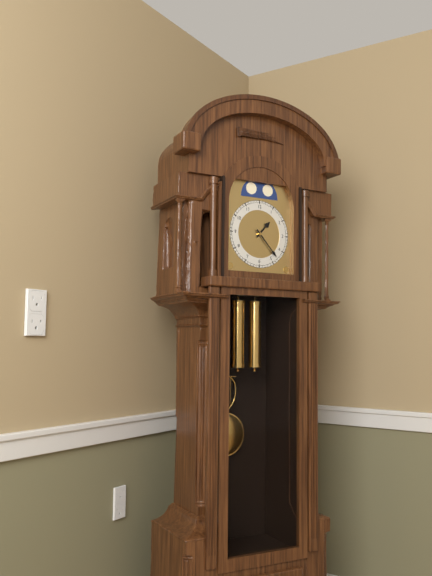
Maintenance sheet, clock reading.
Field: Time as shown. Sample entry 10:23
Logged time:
1:23
